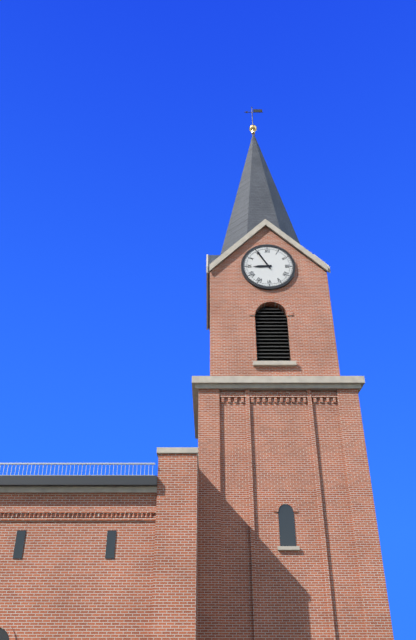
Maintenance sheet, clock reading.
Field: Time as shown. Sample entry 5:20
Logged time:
8:55
